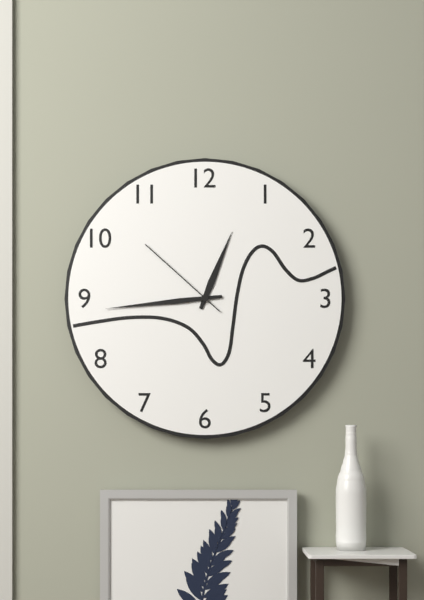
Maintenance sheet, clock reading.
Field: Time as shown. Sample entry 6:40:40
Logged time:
12:44:52
